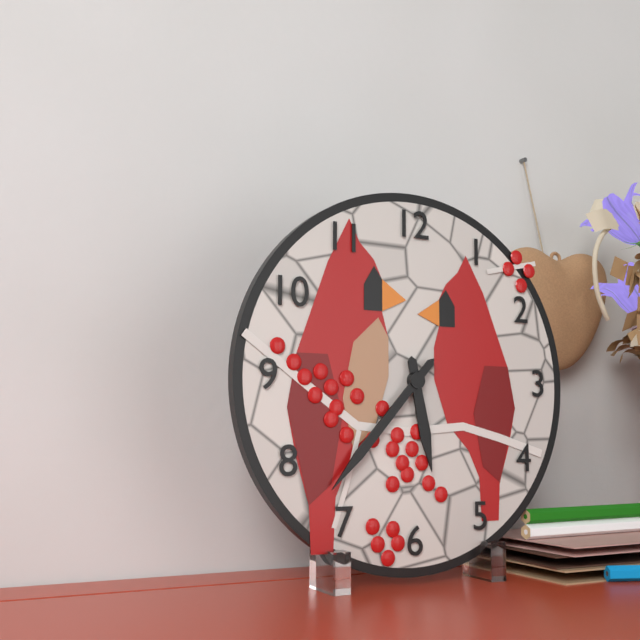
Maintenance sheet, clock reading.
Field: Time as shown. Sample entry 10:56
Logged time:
5:37
